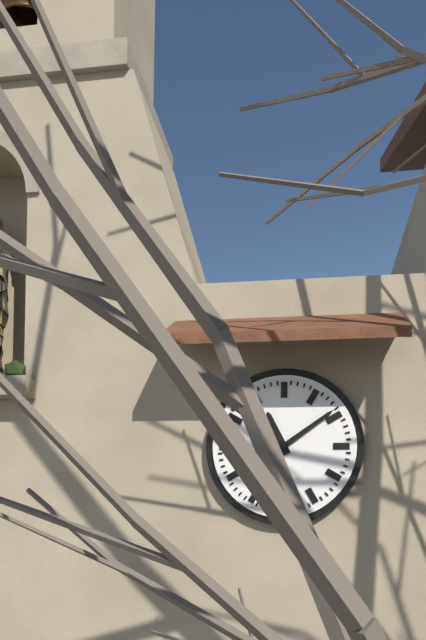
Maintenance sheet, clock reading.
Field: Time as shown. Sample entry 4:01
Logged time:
11:09
